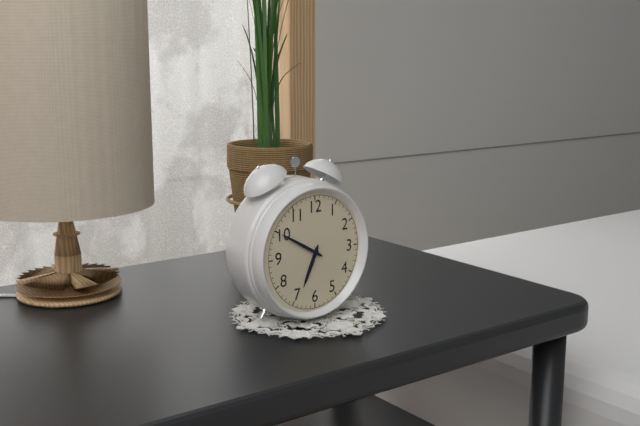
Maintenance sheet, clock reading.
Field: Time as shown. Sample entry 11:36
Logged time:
6:50
